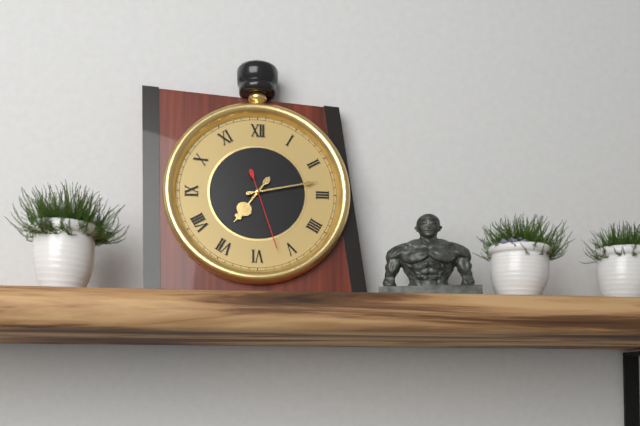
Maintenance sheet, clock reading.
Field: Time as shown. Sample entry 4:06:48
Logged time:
7:13:27
